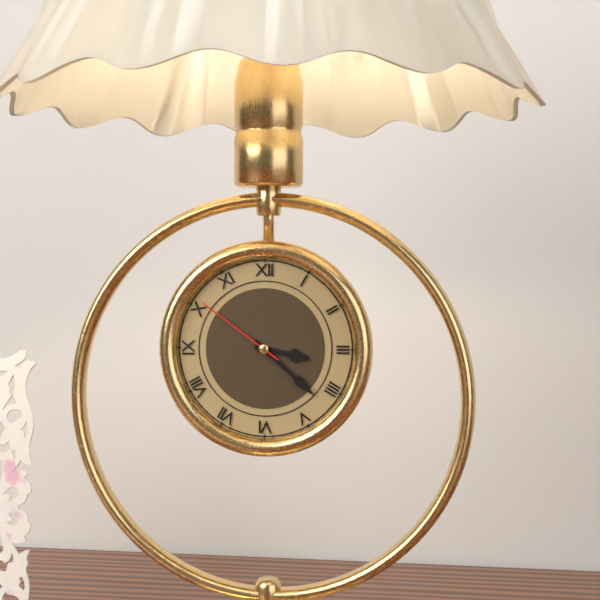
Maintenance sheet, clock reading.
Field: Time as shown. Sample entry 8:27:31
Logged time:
3:22:51
